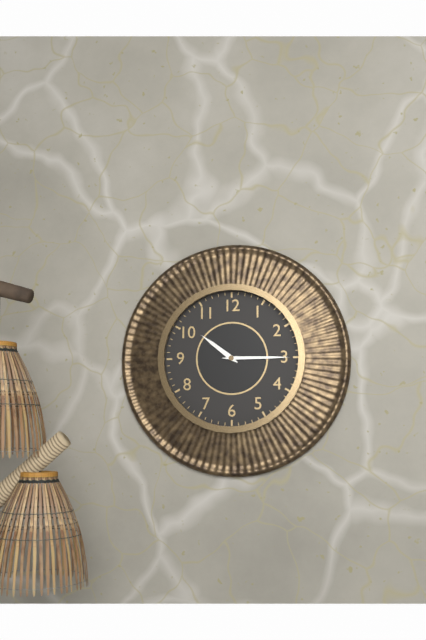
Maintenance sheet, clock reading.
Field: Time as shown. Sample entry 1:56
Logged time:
10:15
